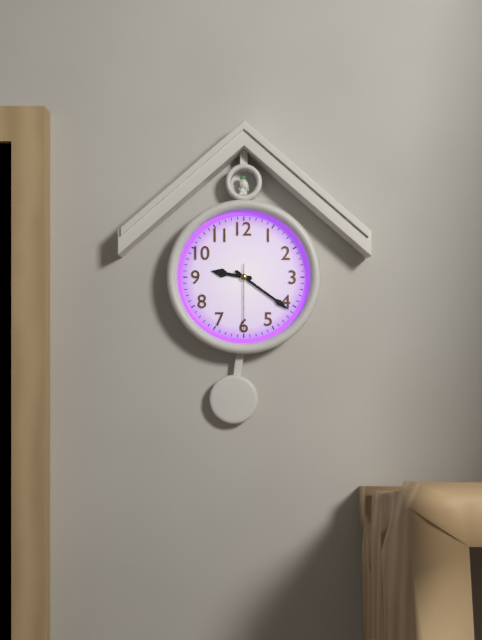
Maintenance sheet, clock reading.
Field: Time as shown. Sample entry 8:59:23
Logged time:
9:21:30
